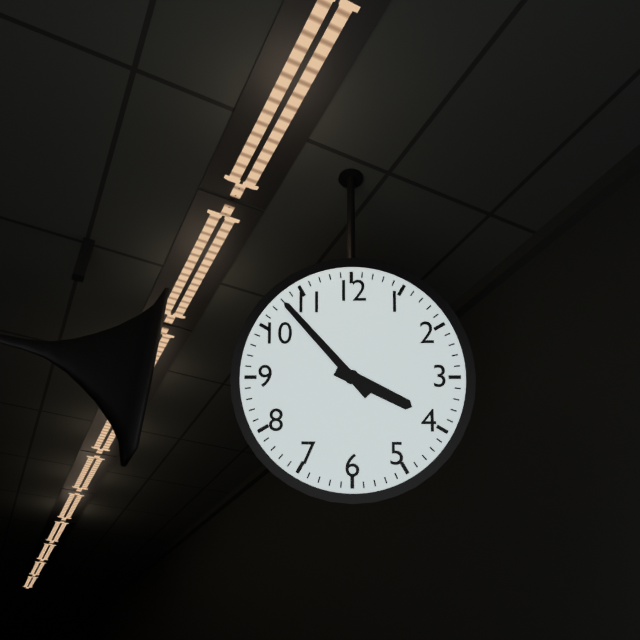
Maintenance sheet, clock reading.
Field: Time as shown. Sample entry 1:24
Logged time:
3:53
